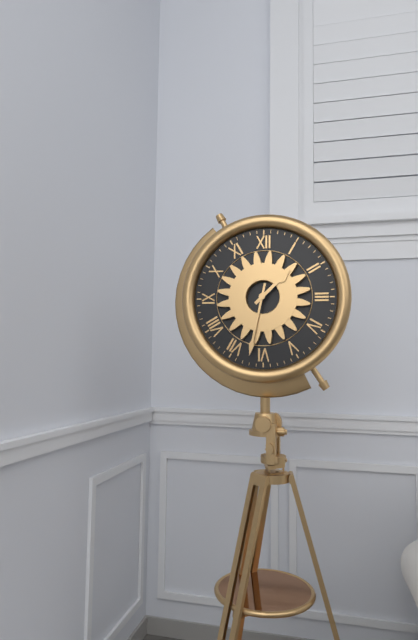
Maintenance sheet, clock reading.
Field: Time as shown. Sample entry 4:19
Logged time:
1:32
